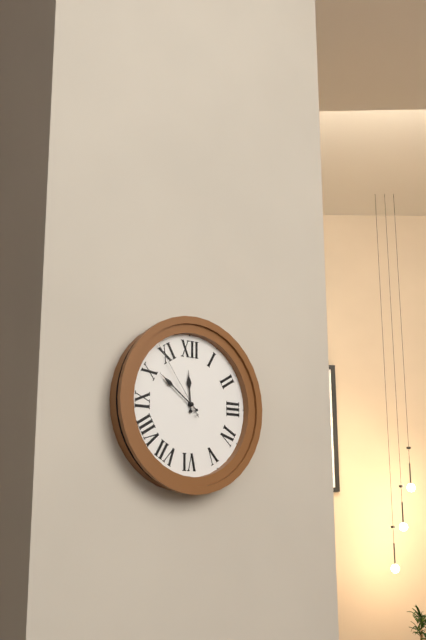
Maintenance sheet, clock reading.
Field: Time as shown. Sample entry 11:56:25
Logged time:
11:51:54
